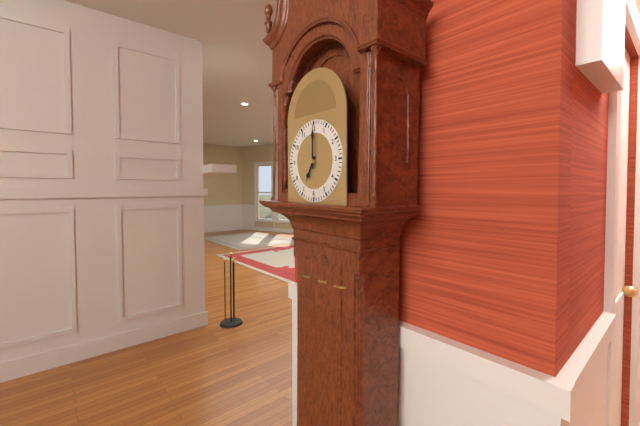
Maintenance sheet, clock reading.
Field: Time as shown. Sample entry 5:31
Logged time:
7:00
